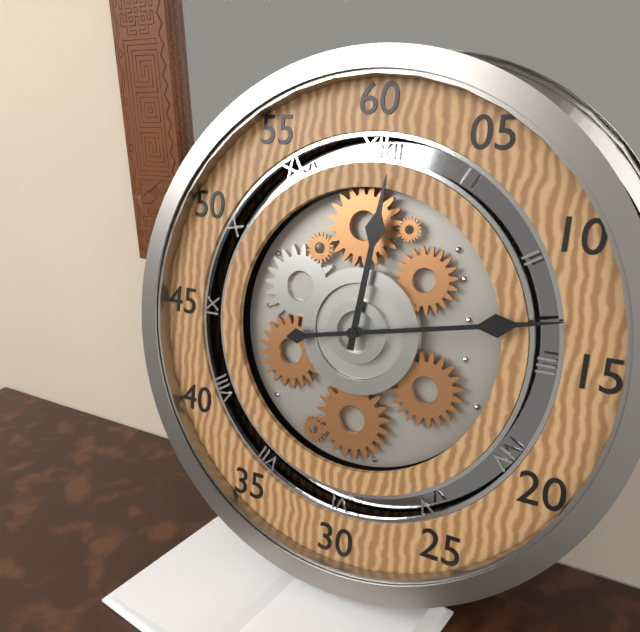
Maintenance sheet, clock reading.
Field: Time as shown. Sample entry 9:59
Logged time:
12:13
